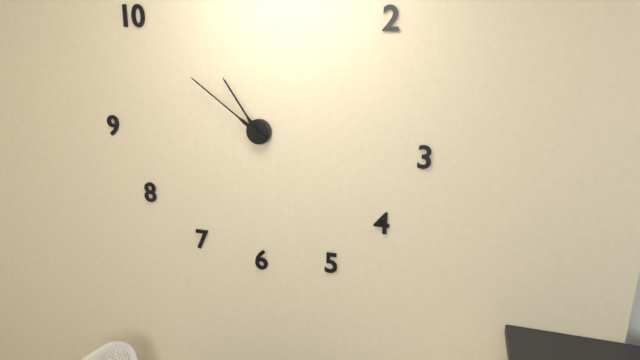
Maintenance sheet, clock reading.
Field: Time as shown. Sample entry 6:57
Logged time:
10:51
